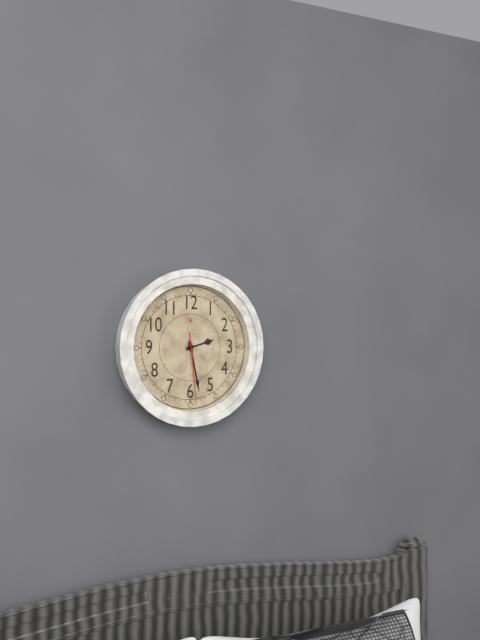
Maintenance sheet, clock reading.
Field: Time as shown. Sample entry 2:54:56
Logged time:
2:28:29
